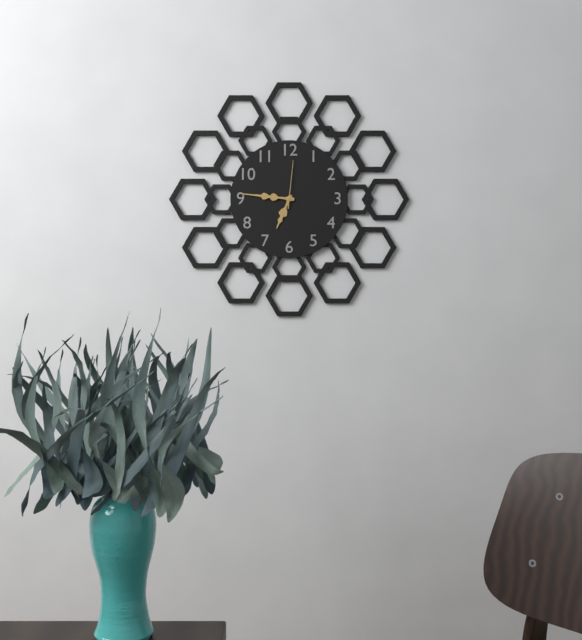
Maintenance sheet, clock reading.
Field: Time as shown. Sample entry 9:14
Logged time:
6:46
